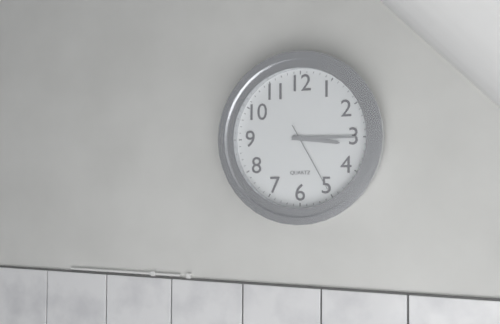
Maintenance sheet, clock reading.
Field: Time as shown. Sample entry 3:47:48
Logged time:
3:15:25
